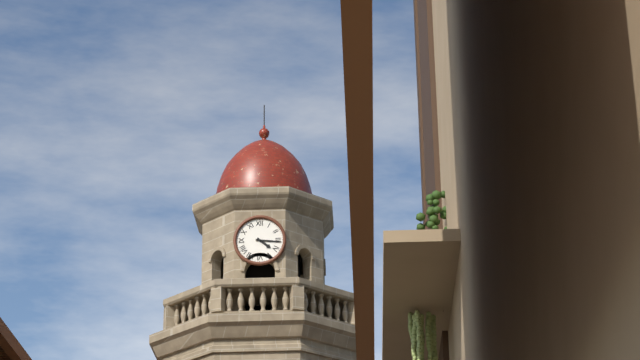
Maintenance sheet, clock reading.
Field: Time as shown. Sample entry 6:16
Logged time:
4:16
